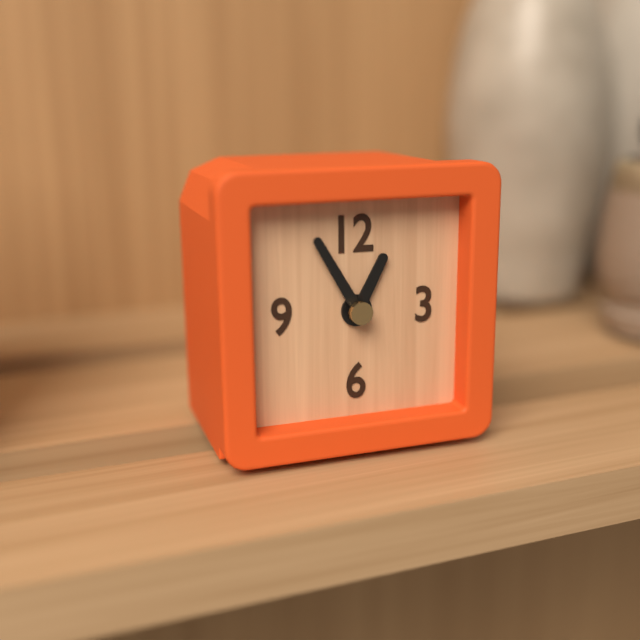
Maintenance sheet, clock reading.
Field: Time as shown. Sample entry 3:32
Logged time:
12:55
